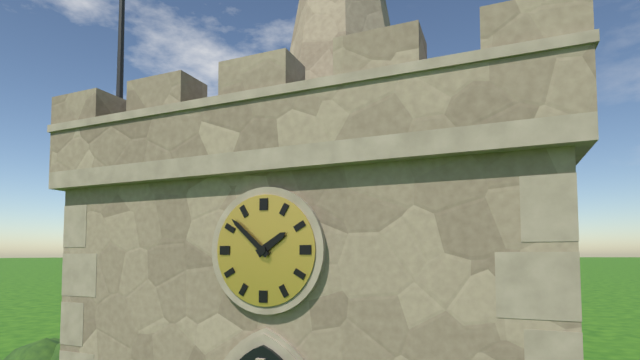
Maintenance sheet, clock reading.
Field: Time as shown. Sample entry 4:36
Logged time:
1:52
